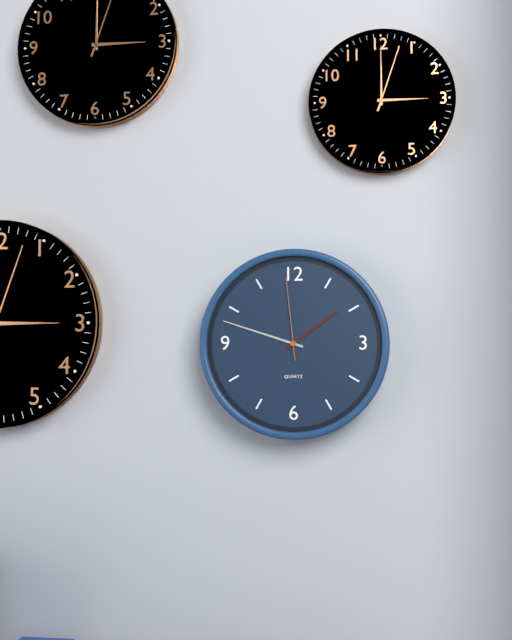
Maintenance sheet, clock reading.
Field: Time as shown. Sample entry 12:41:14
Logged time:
1:48:59
